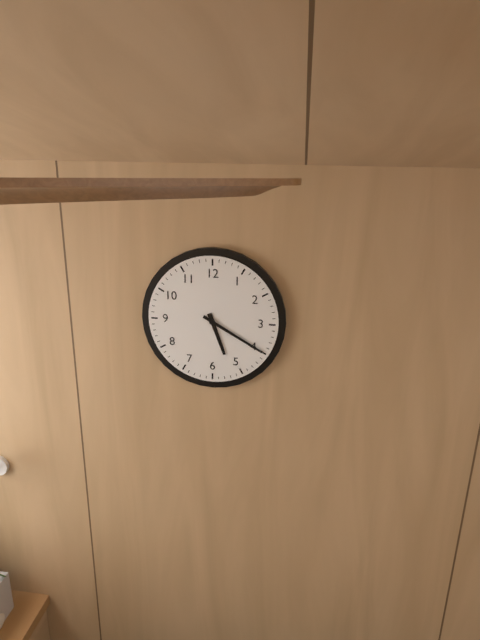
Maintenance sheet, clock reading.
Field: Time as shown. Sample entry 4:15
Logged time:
5:20
